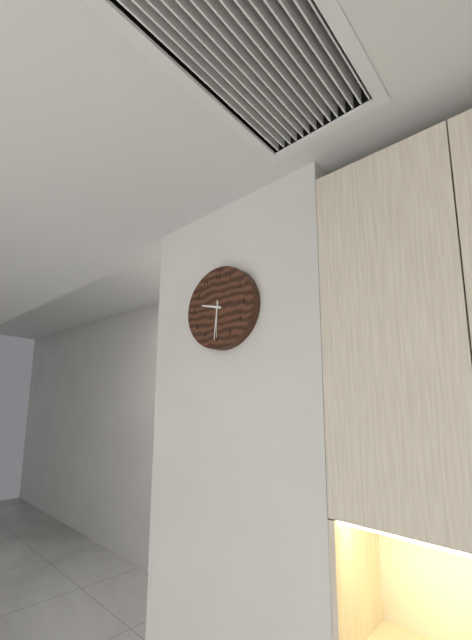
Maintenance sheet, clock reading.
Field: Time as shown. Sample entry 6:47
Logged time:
9:31
